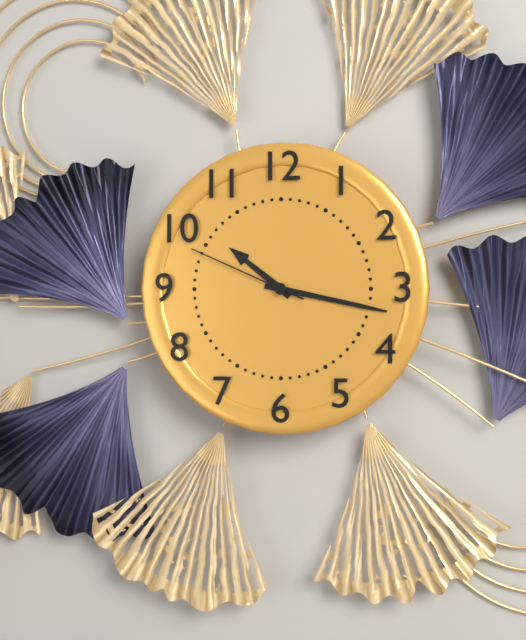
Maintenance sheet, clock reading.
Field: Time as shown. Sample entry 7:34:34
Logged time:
10:17:49
